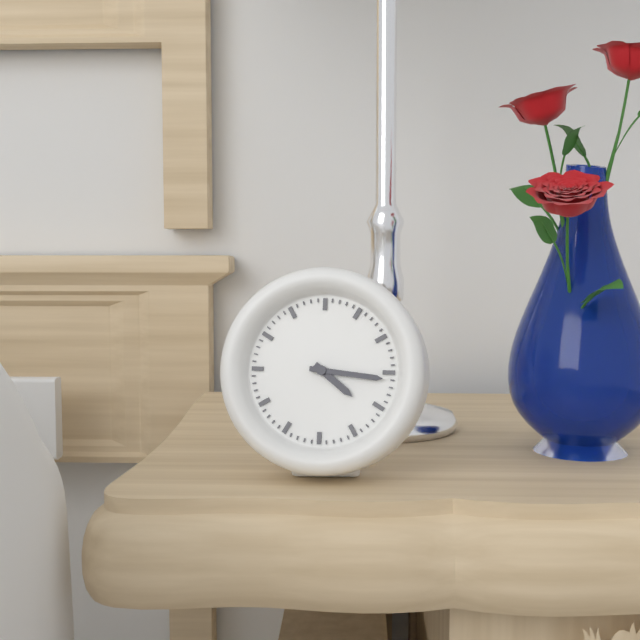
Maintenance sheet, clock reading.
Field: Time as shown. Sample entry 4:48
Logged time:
4:16
